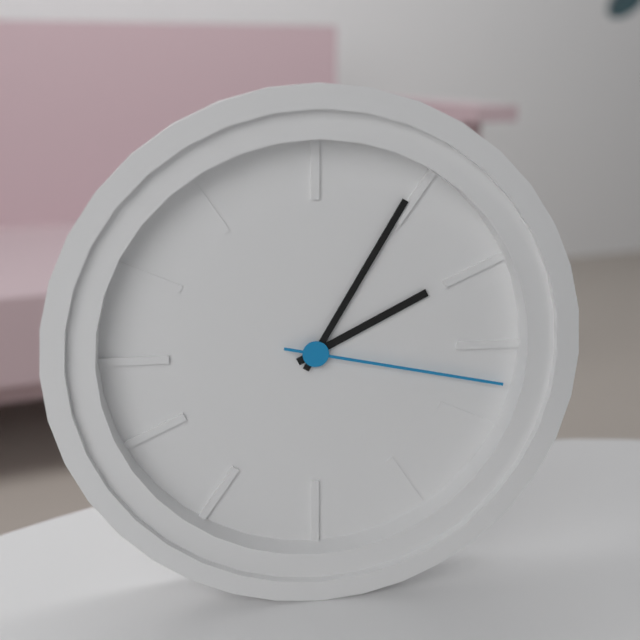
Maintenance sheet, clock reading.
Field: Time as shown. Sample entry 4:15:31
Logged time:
2:05:17
